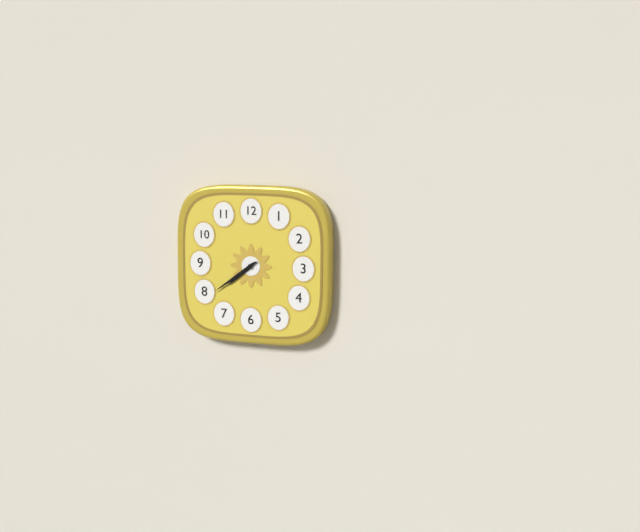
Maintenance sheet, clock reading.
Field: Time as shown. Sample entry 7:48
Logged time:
7:39
